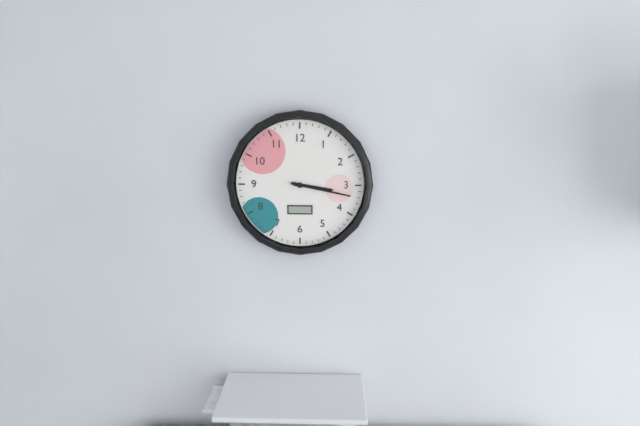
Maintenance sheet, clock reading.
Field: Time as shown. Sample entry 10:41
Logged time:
3:17
